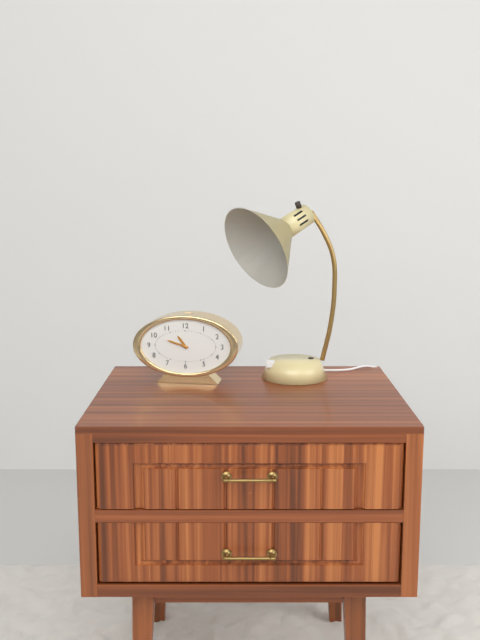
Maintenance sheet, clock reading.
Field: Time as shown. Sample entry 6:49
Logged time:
10:48
